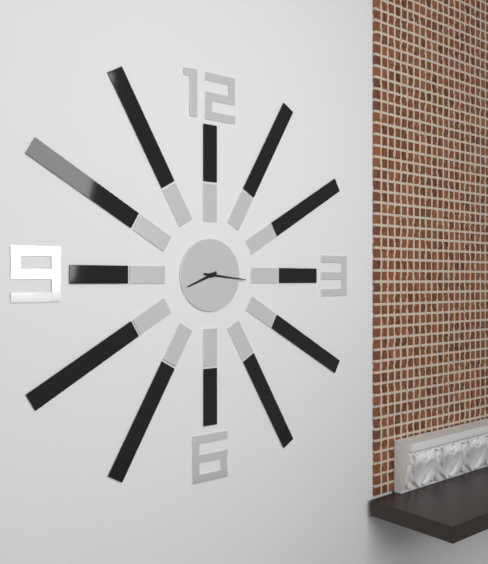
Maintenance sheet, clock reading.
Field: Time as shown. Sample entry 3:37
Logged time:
8:16
